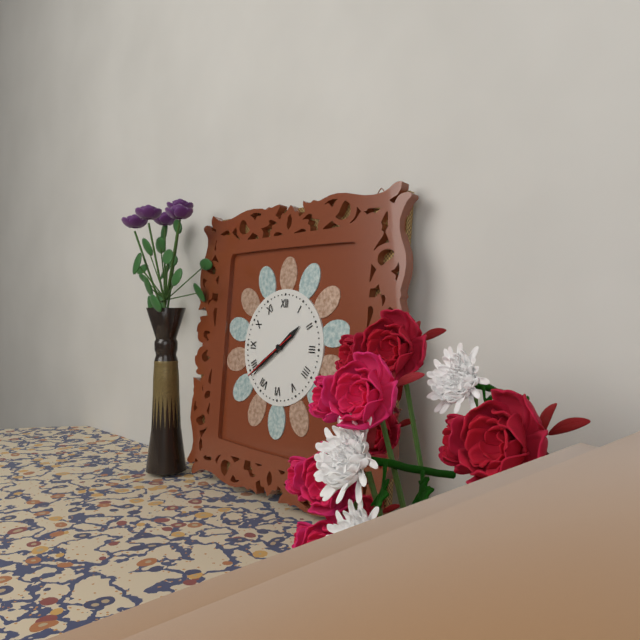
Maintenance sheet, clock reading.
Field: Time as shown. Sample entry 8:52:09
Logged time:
1:39:39
